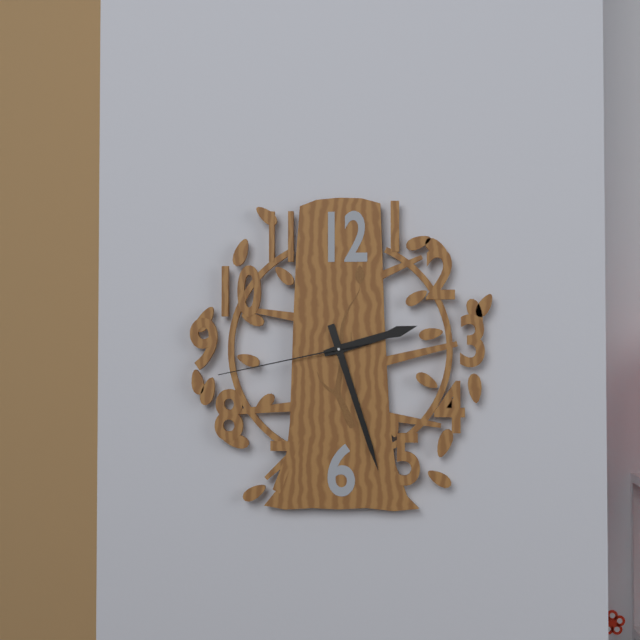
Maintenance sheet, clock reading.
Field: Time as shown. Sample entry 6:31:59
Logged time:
2:27:43
